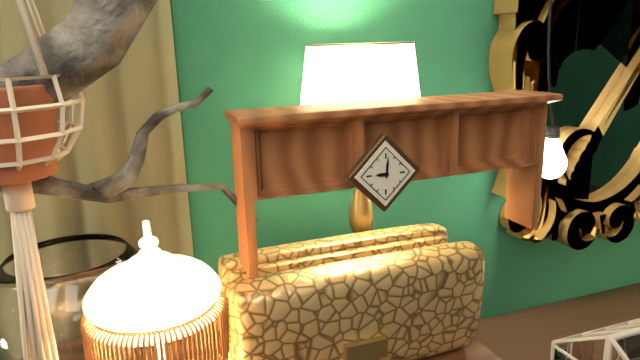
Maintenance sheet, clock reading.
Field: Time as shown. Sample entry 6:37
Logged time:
9:01
